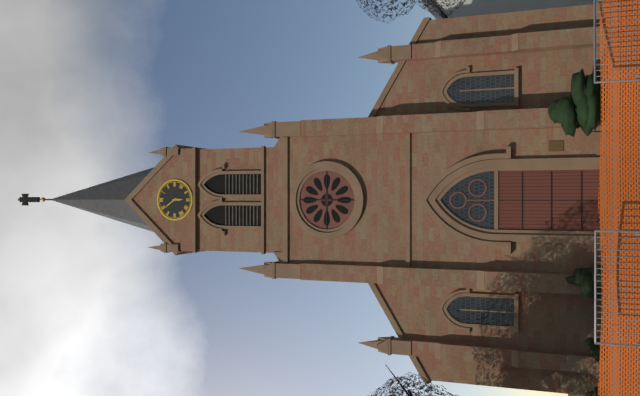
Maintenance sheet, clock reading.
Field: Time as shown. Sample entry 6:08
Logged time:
5:54
